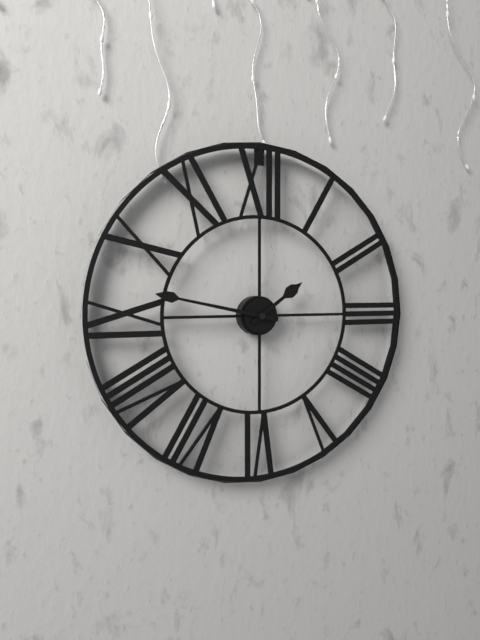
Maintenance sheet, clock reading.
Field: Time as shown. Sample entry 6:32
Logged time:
1:47
